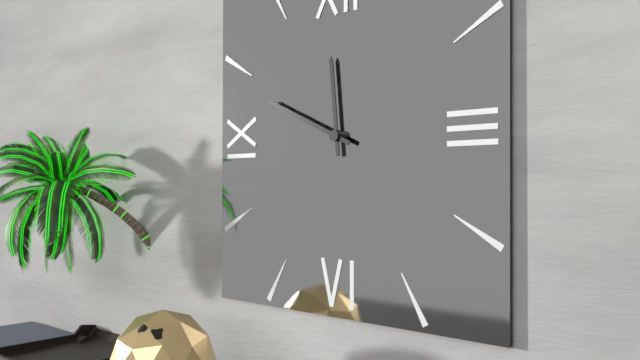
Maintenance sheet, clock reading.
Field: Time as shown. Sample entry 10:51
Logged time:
11:49
